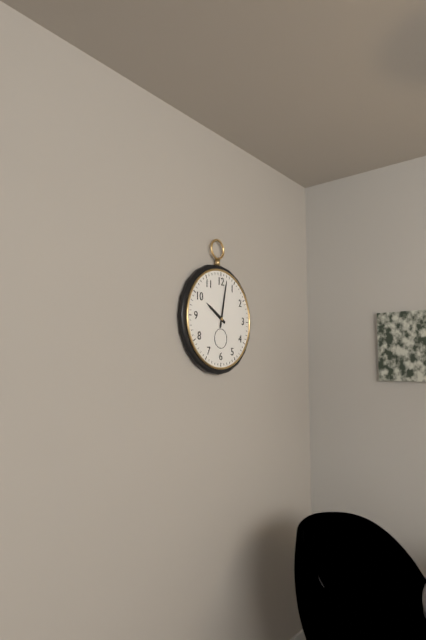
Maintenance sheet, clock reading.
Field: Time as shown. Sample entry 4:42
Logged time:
10:02
